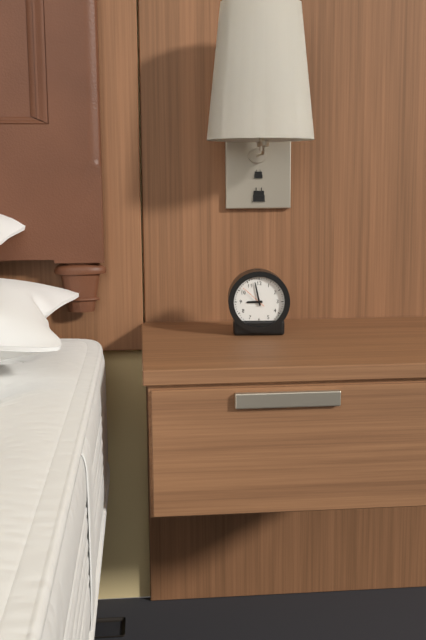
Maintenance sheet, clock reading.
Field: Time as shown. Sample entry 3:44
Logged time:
8:58
